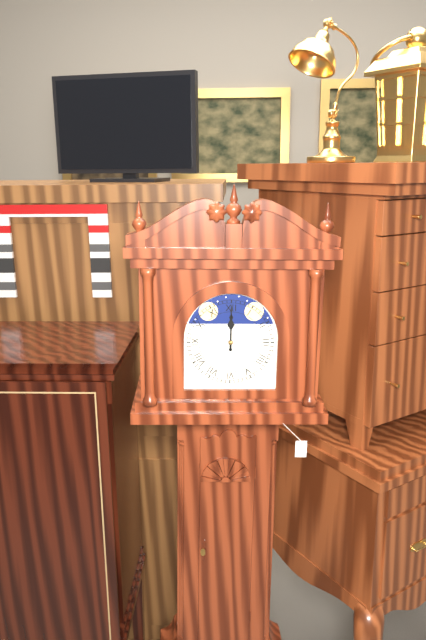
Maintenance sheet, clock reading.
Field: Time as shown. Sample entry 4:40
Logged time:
12:00
